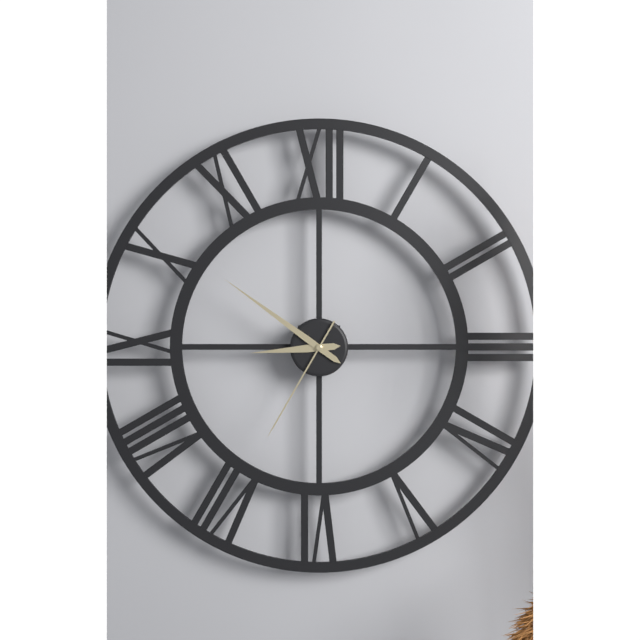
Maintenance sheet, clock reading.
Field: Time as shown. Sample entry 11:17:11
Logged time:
8:51:35
